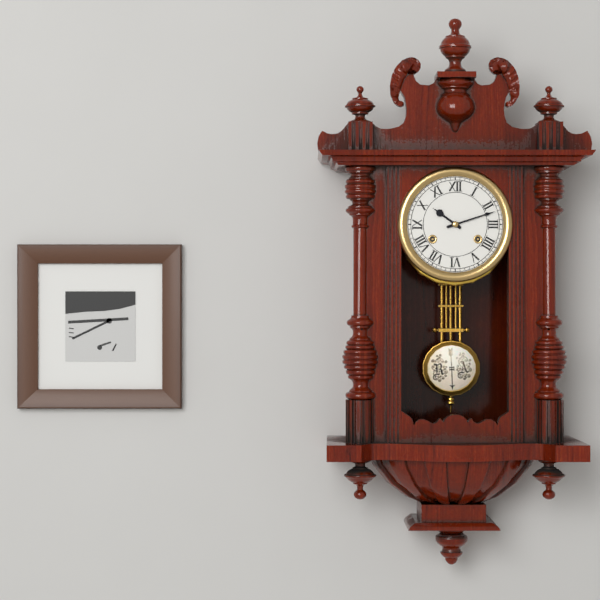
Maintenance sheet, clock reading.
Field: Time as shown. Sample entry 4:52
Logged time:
10:12
